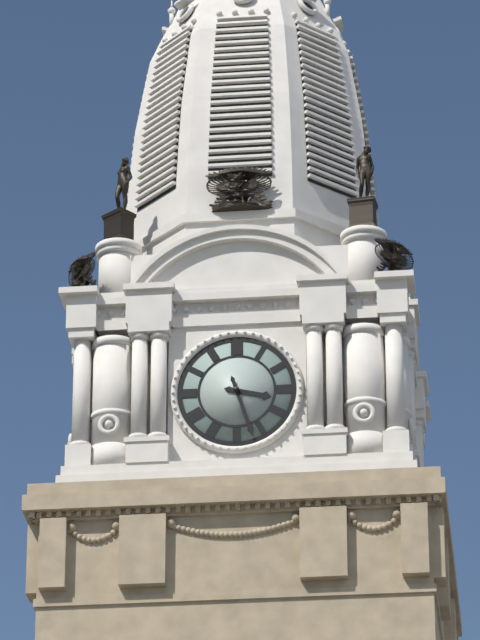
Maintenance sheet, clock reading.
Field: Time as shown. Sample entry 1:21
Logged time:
3:27
